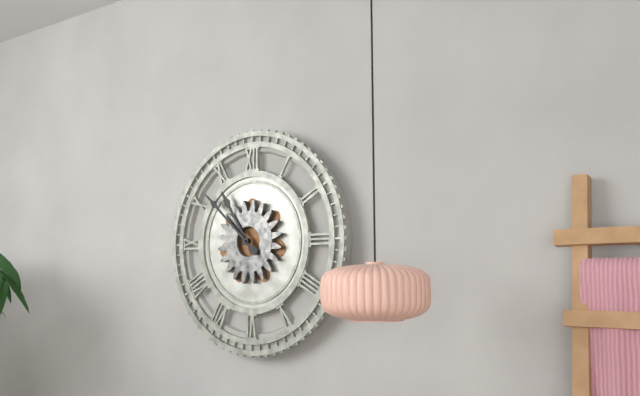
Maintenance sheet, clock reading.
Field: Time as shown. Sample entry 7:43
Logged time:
10:52
